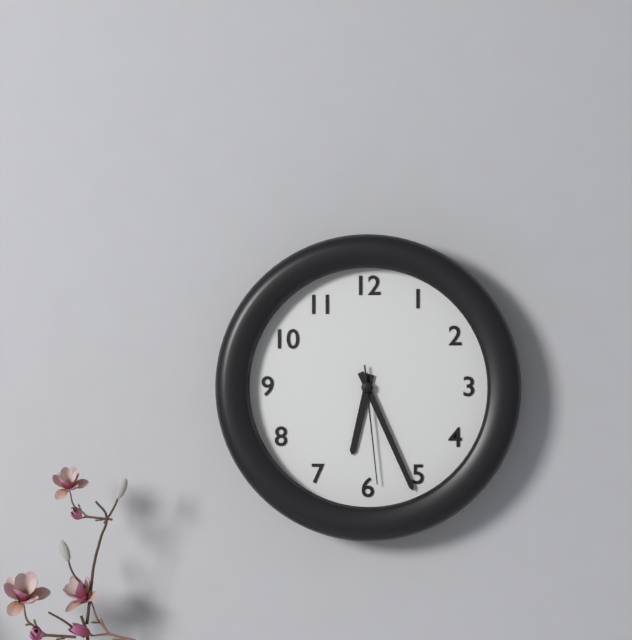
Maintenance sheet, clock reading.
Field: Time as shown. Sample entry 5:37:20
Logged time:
6:26:29
